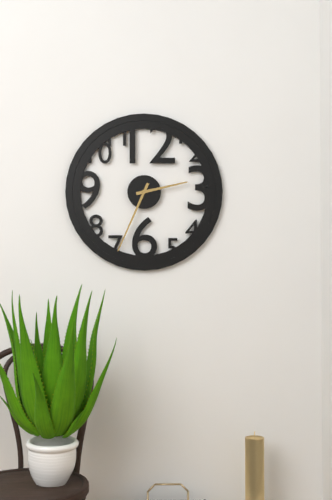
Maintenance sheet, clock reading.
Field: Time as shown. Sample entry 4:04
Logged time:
2:34
